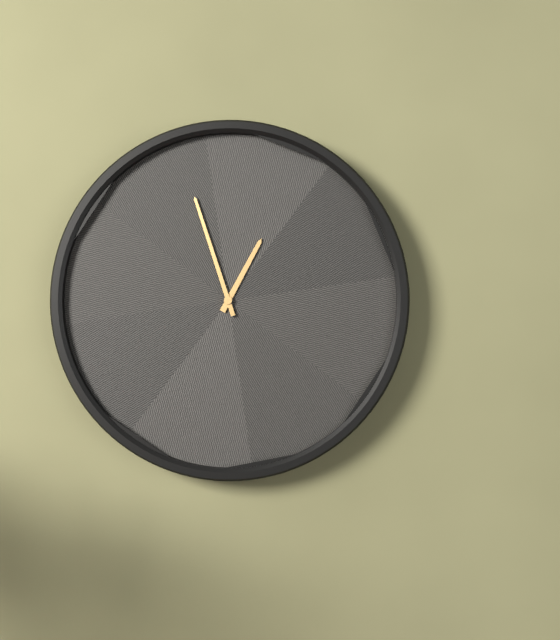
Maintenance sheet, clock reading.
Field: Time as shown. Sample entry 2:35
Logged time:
12:57
